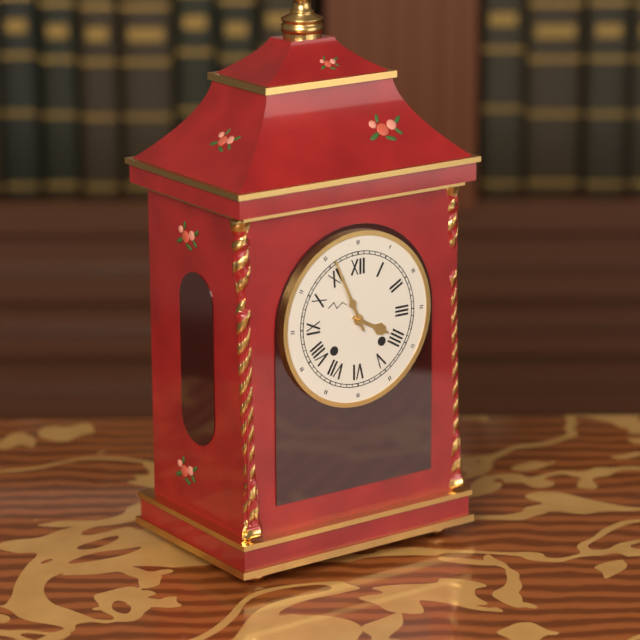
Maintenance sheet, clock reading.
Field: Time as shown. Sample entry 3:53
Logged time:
3:56
